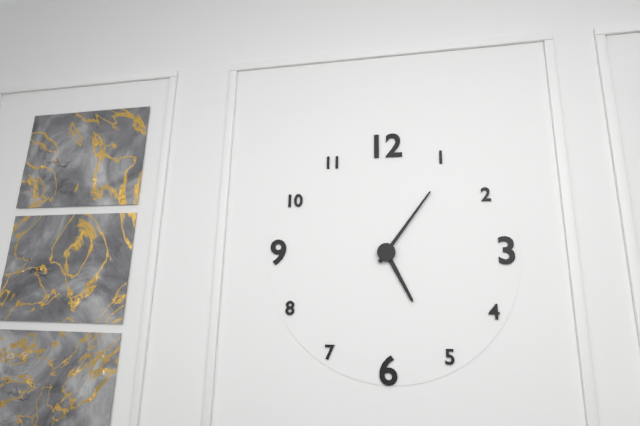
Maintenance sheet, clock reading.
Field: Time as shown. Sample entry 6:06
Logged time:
5:06
